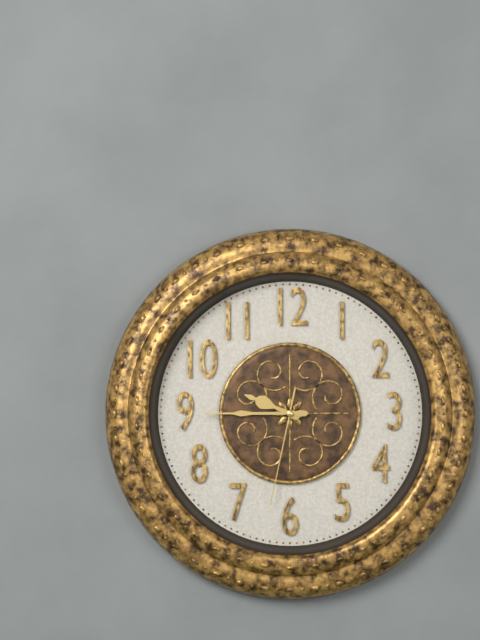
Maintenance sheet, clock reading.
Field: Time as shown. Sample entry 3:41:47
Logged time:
9:45:32
